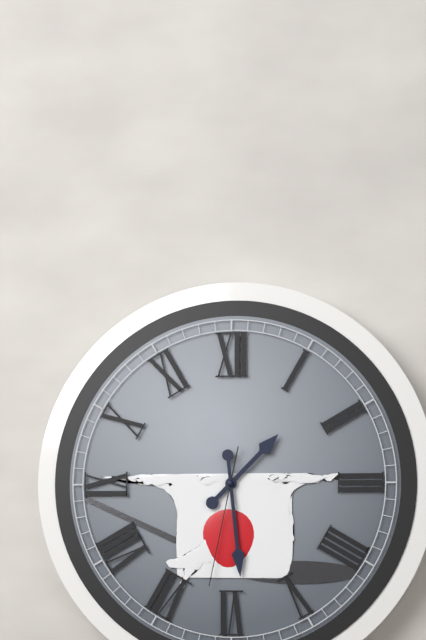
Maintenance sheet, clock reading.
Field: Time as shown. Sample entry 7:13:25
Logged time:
1:29:32
